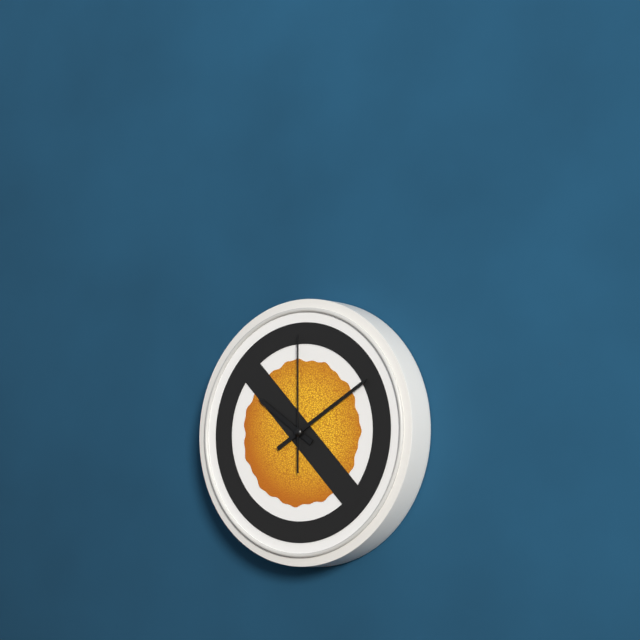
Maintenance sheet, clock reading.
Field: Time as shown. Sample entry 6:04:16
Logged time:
10:10:00
